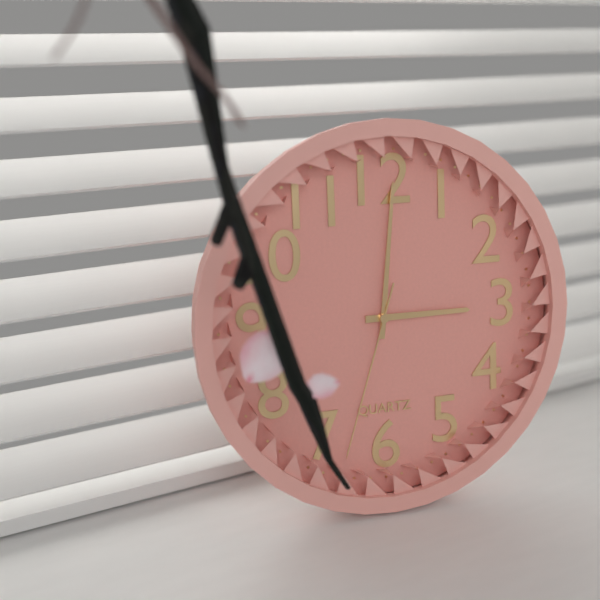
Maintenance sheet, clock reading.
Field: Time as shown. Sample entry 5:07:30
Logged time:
3:01:33
